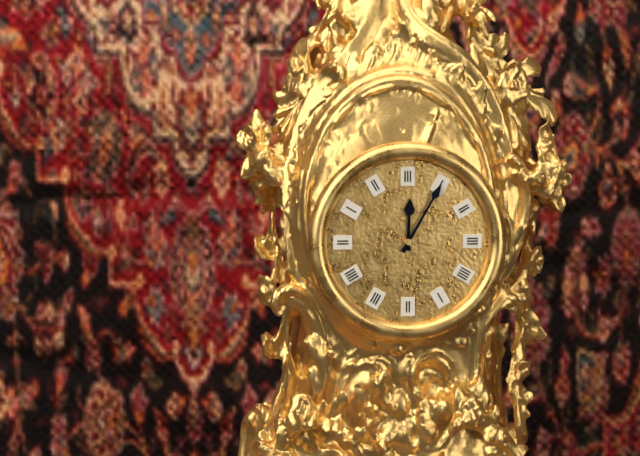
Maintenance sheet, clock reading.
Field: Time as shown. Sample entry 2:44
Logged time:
12:05
